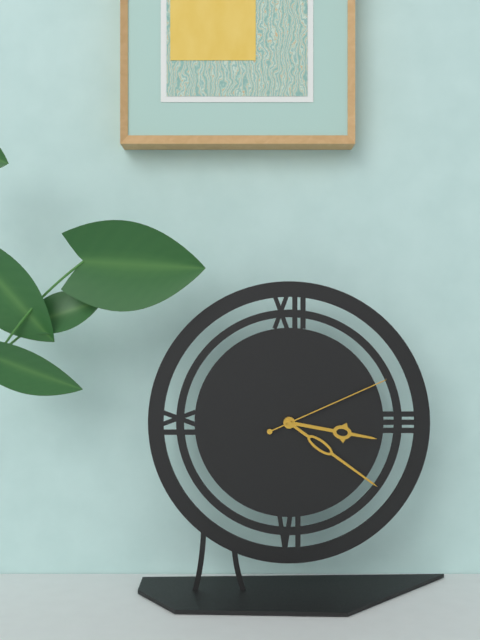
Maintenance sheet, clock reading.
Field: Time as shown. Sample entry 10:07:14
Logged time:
3:21:11
